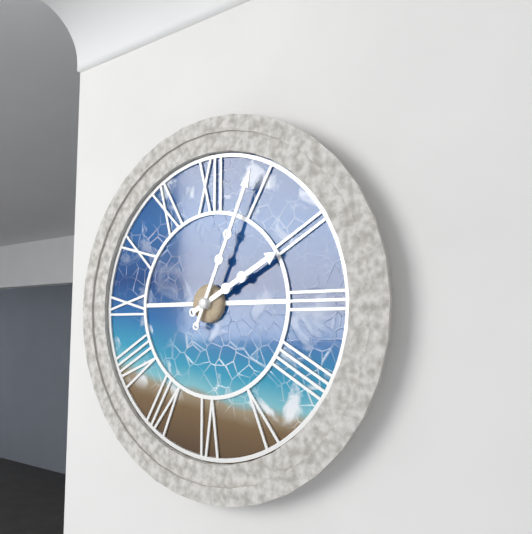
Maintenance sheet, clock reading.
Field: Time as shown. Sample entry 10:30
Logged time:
2:04
